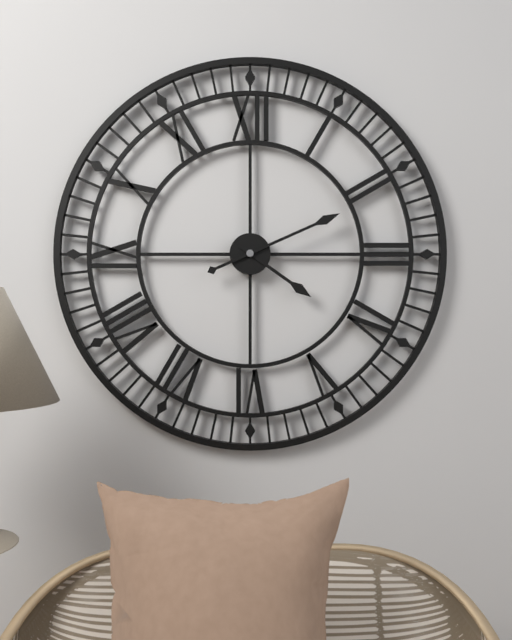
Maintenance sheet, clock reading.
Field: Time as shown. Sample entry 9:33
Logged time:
4:11
